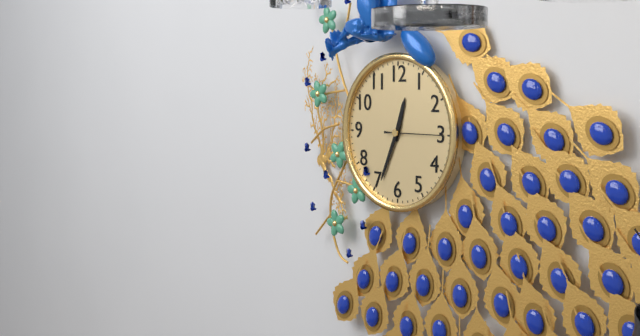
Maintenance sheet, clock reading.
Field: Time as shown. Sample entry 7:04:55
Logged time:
12:34:15
